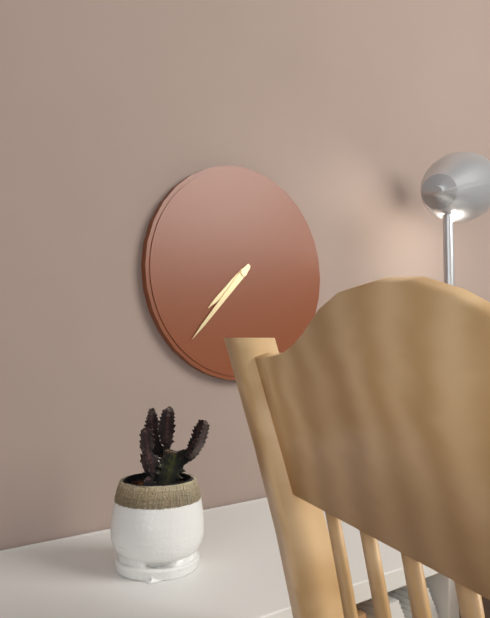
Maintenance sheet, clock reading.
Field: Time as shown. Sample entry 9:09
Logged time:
7:37
